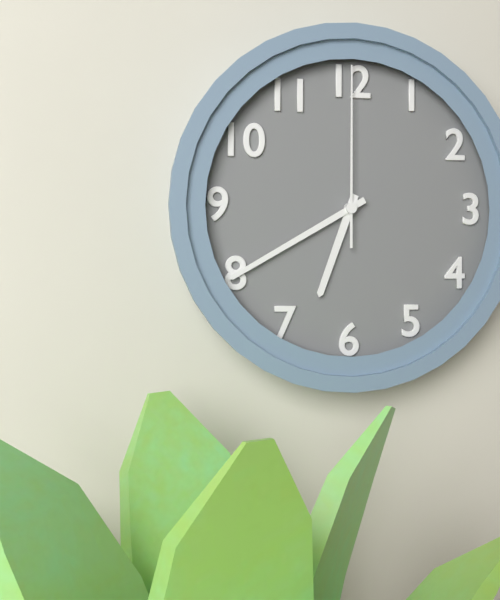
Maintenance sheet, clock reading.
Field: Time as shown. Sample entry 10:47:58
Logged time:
6:40:00
